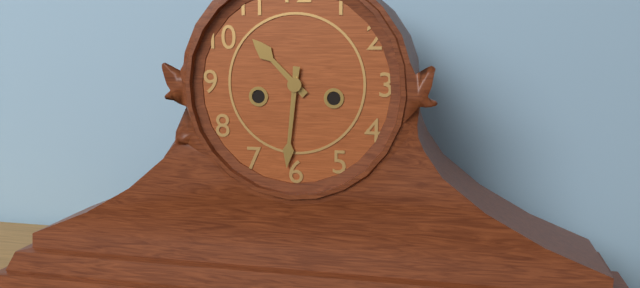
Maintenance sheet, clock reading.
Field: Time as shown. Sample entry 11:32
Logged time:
10:31
